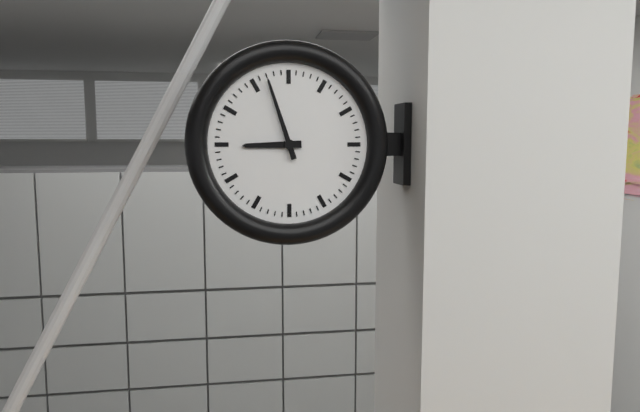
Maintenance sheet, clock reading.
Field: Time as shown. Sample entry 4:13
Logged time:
8:57
